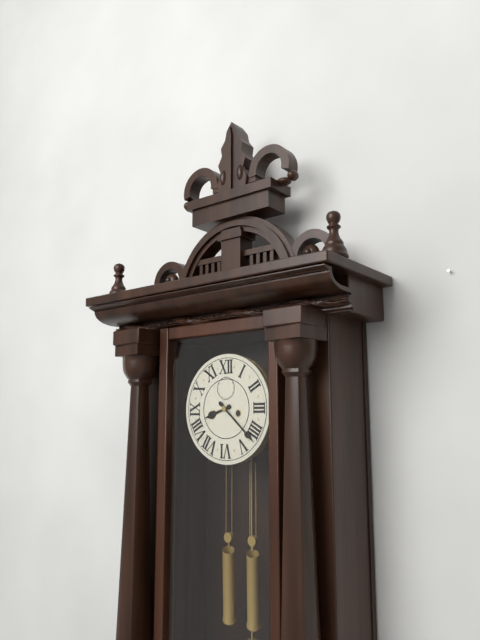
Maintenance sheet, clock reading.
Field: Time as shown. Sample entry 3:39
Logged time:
8:22
